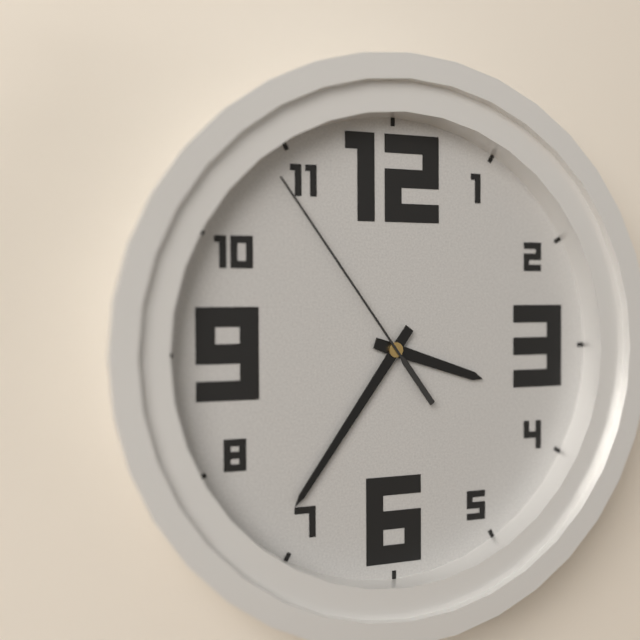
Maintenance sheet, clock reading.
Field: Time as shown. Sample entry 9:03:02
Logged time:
3:36:54
